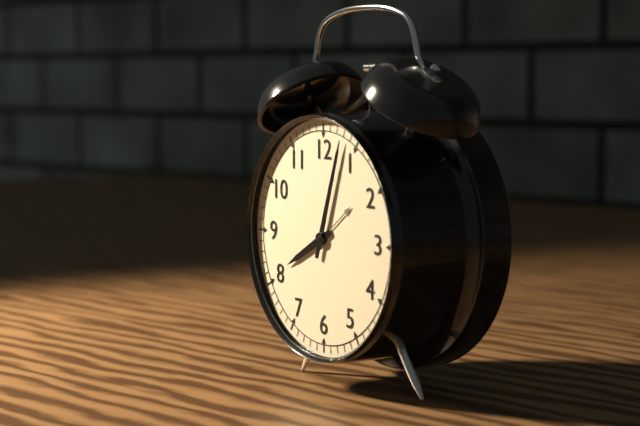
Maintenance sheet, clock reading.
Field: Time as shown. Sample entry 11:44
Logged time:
8:03
